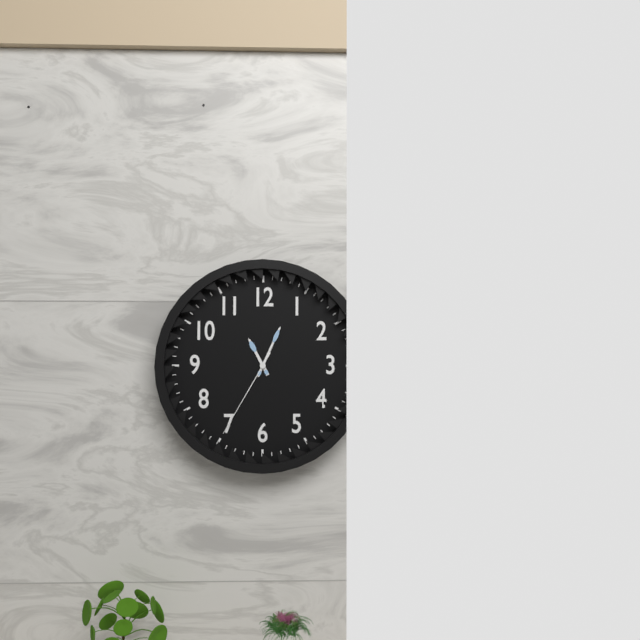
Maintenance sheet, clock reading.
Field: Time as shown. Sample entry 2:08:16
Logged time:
11:04:35
